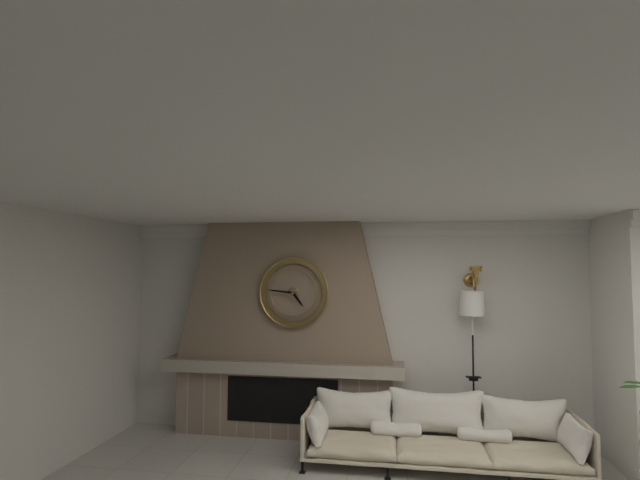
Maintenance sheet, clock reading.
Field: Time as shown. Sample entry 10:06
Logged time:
4:46
